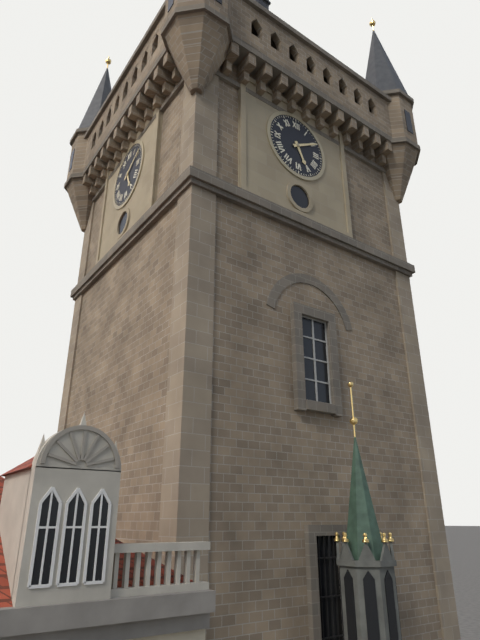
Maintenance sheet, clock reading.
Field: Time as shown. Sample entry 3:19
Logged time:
5:10
